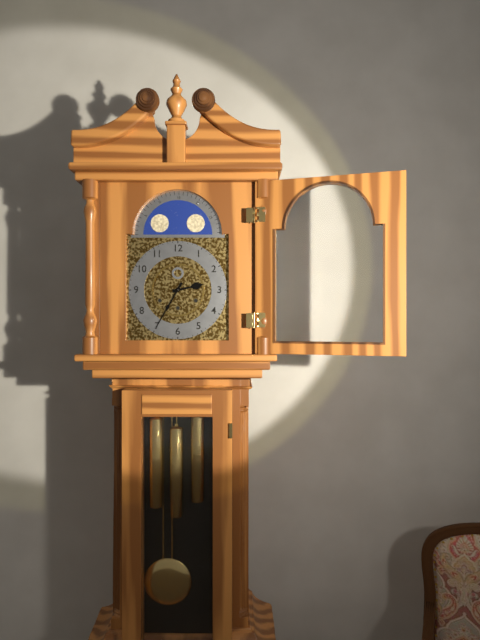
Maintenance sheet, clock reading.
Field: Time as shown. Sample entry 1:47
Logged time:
2:35
